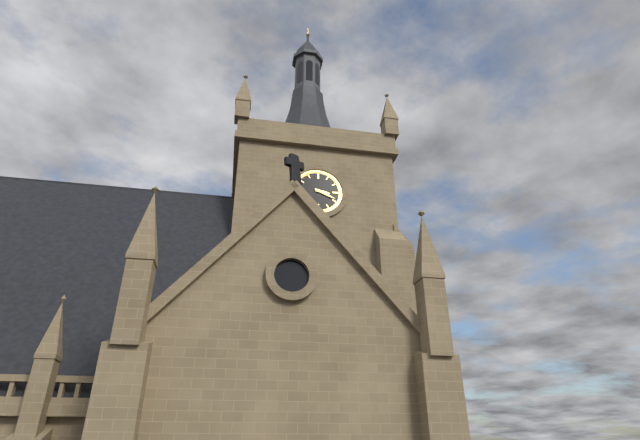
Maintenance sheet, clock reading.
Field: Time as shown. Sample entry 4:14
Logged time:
3:19
